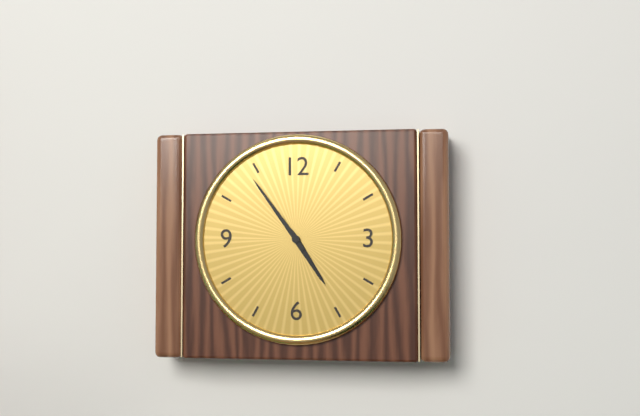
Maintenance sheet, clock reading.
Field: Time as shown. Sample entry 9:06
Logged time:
4:54
